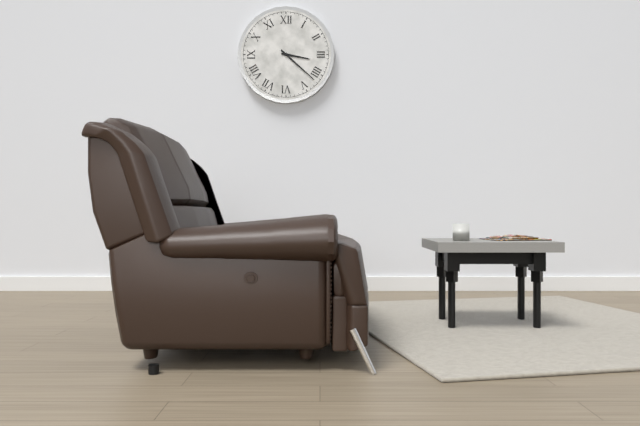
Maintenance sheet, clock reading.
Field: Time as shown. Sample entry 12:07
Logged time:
3:22
